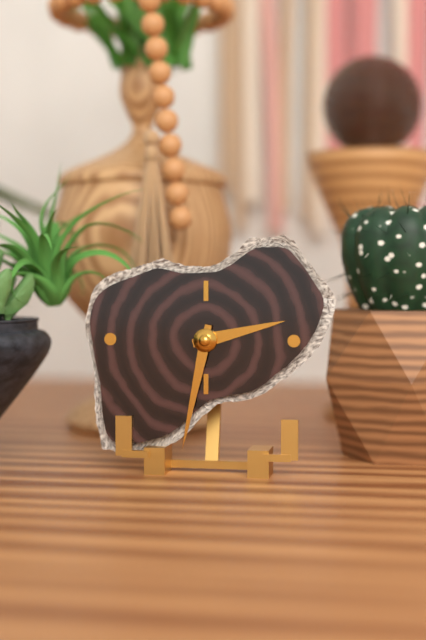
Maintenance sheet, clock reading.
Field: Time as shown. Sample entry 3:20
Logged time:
2:32
